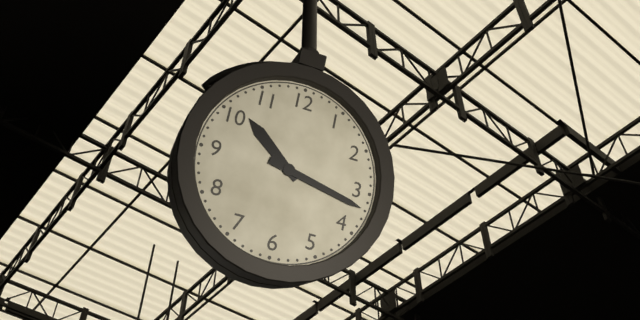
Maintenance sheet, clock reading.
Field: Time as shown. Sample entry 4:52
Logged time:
10:17
